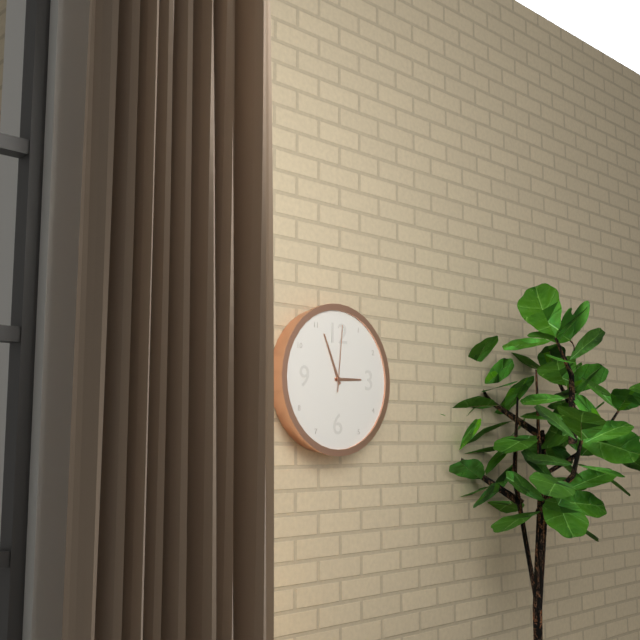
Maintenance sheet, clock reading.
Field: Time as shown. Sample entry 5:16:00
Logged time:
2:56:01
